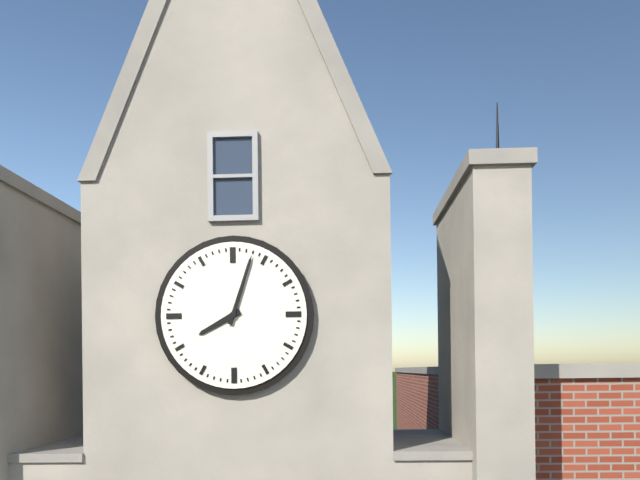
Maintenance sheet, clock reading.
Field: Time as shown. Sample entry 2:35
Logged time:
8:03
